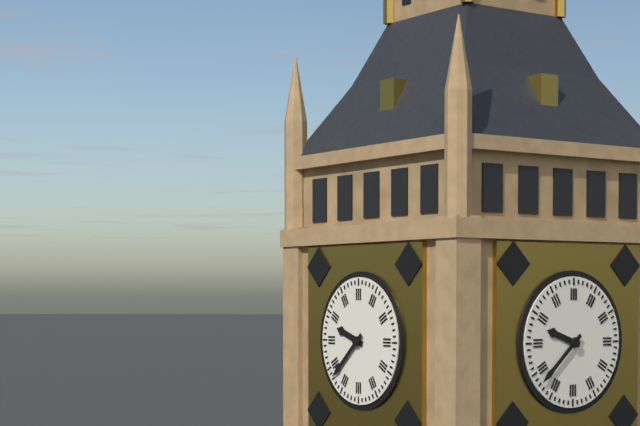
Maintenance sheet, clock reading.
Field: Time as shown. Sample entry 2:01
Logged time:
9:38
